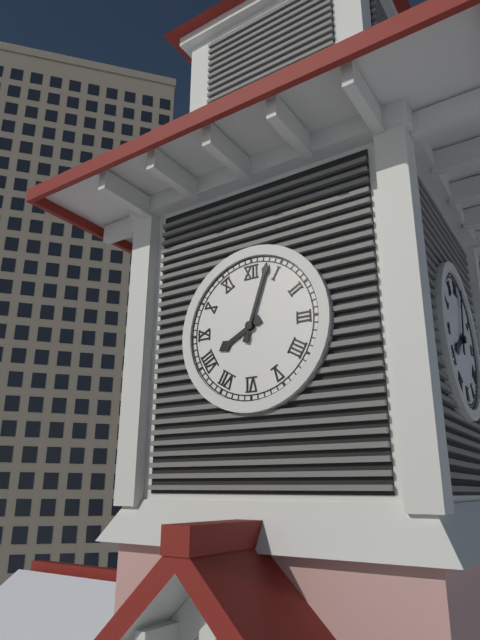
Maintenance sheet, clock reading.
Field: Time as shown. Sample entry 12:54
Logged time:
8:03
